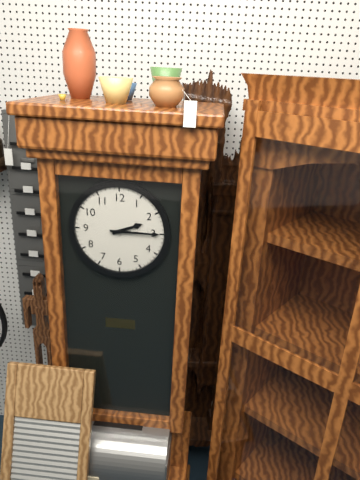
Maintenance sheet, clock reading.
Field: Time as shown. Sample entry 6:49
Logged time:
2:15
